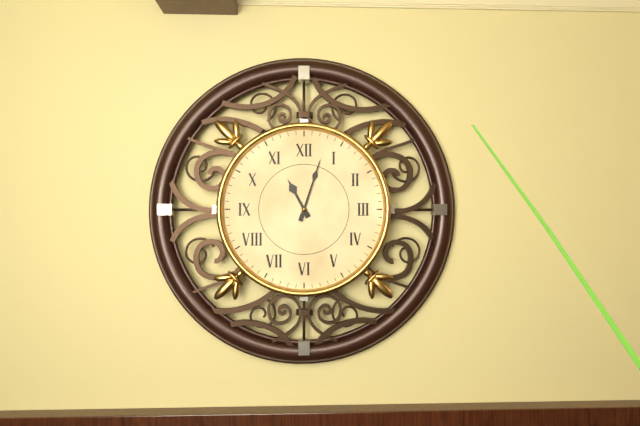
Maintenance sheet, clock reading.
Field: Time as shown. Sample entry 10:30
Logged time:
11:03
